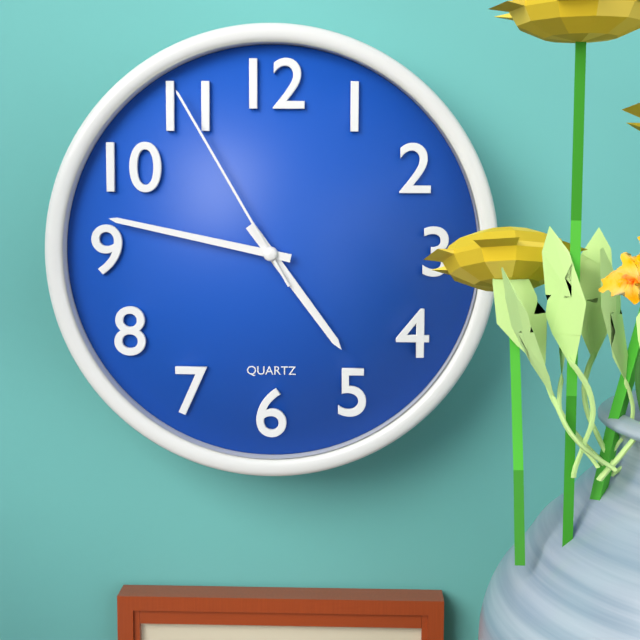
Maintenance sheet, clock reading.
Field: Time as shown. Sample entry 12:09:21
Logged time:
4:47:55
